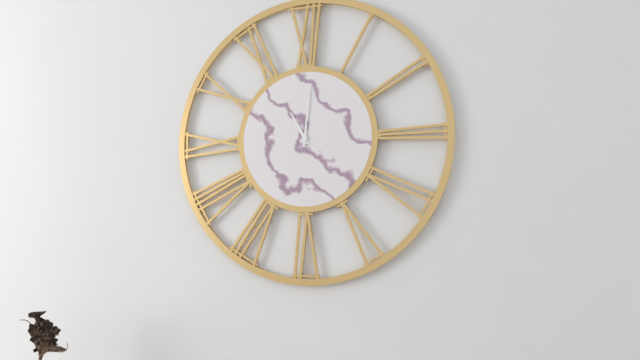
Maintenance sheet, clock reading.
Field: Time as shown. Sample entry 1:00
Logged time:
11:01
